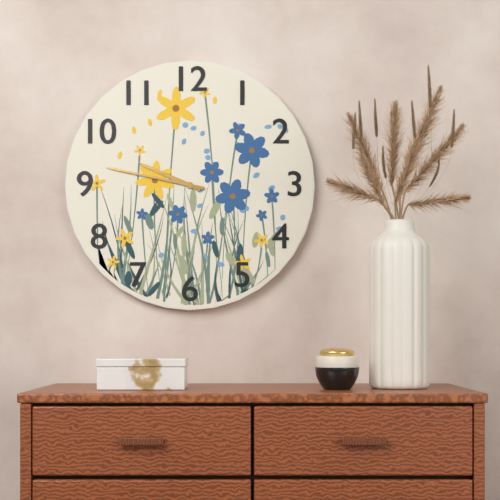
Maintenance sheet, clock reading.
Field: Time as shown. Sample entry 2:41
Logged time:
9:47
